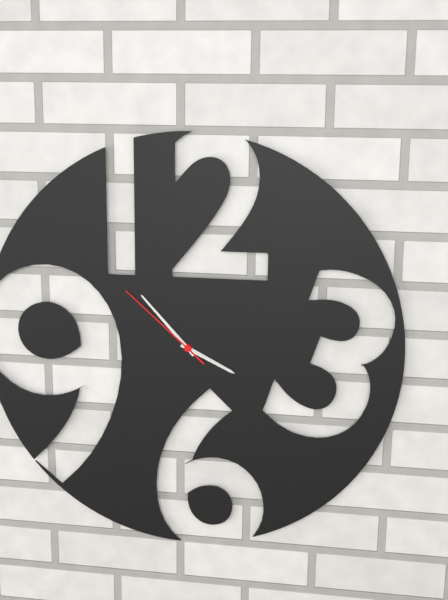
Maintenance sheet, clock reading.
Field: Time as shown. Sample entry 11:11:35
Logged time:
3:53:52
